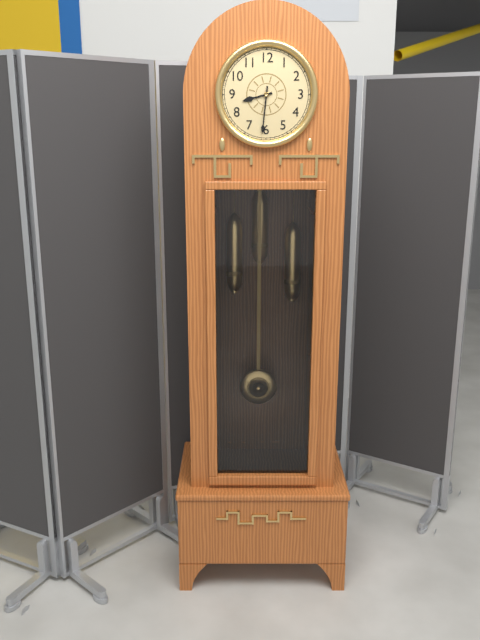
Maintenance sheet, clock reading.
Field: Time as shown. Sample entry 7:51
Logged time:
8:31
